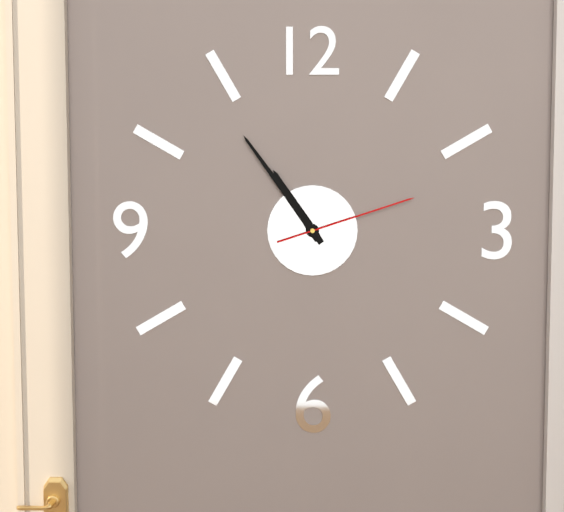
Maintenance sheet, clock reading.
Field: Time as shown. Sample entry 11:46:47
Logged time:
10:54:12
